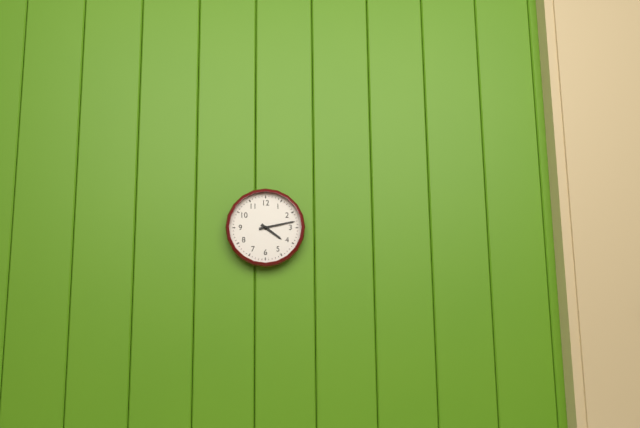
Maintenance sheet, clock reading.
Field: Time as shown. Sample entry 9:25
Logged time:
4:13
